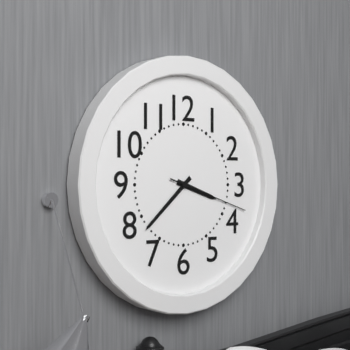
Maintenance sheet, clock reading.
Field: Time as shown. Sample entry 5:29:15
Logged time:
3:38:18
